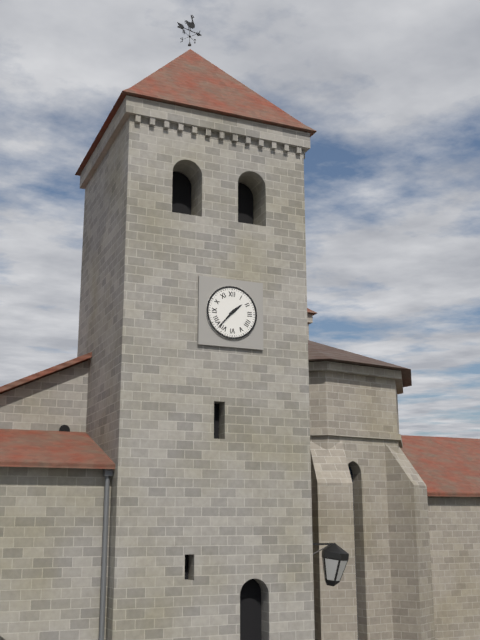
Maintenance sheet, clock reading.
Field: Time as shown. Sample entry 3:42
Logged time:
1:37
